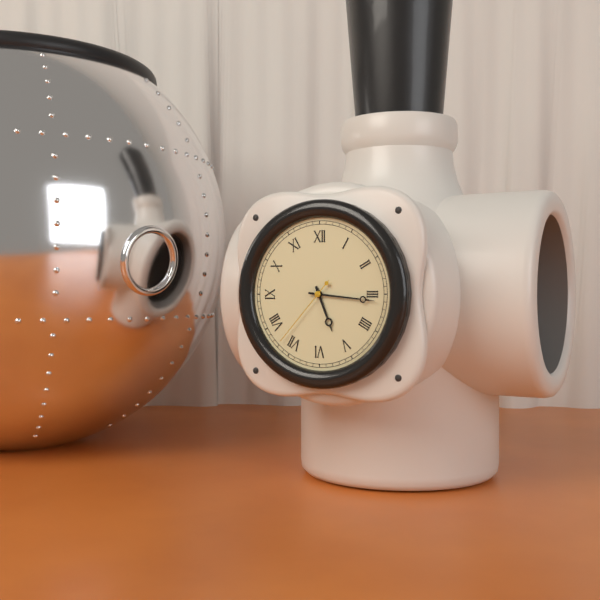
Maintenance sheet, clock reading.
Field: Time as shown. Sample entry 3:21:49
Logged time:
5:16:37
